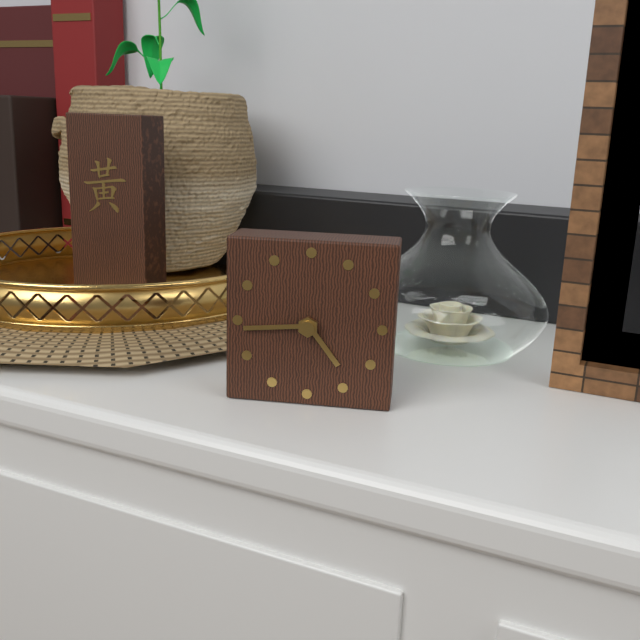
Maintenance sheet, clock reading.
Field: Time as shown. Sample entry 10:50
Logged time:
4:44
